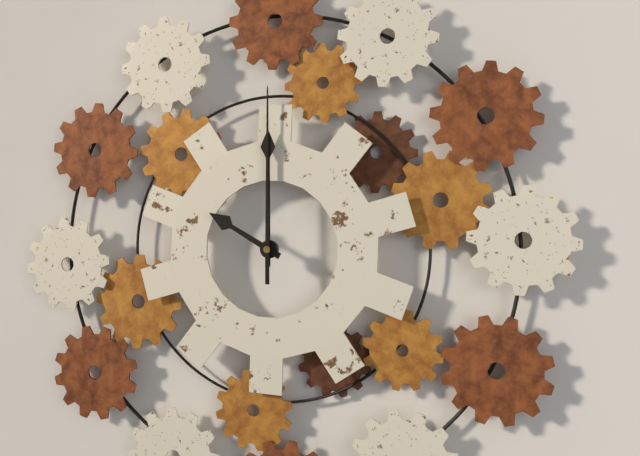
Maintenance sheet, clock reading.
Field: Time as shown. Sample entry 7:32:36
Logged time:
10:00:00
